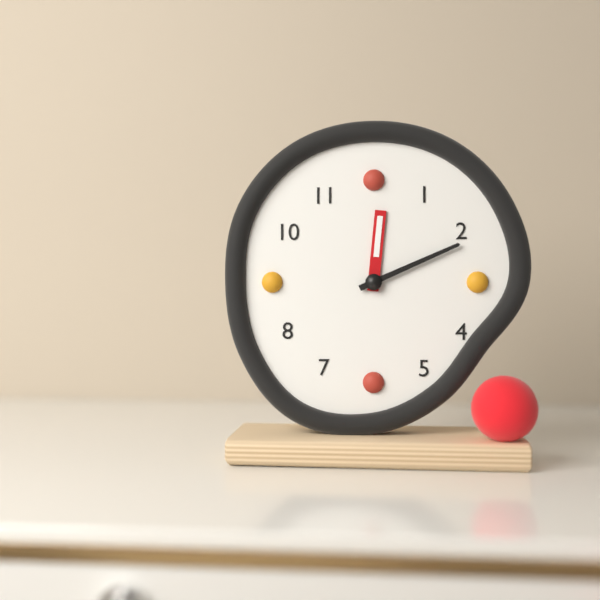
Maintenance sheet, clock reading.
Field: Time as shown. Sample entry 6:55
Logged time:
12:11
